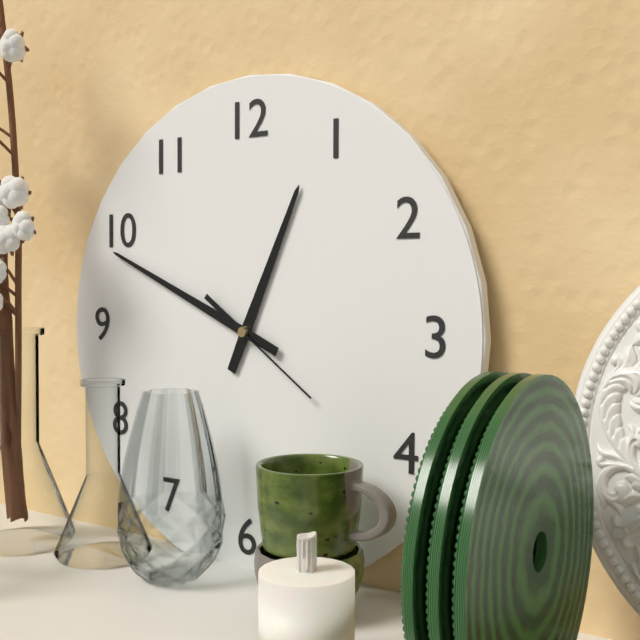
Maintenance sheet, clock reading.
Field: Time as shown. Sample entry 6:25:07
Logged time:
12:49:21
